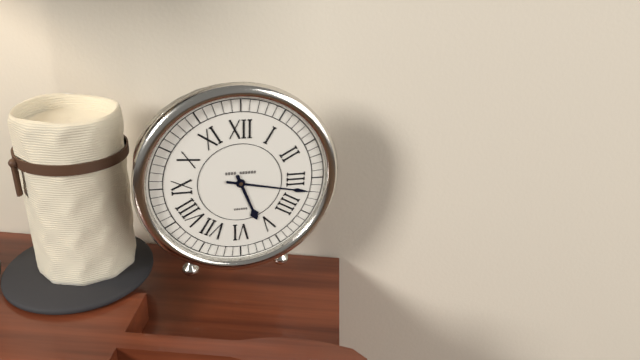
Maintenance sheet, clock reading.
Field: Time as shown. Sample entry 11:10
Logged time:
5:17
